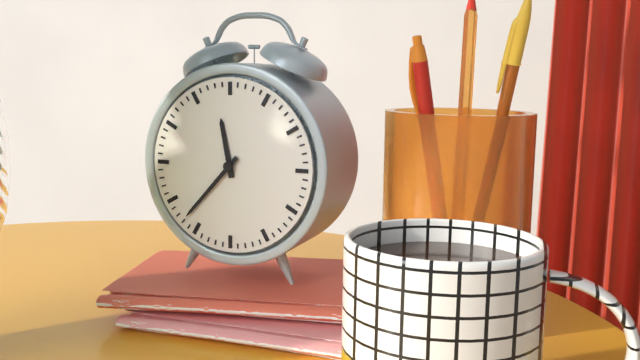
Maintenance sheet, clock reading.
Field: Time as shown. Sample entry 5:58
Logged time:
11:37
